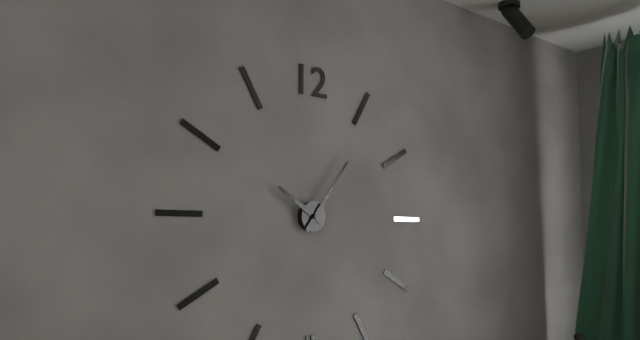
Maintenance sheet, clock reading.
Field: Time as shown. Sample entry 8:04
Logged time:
10:06
